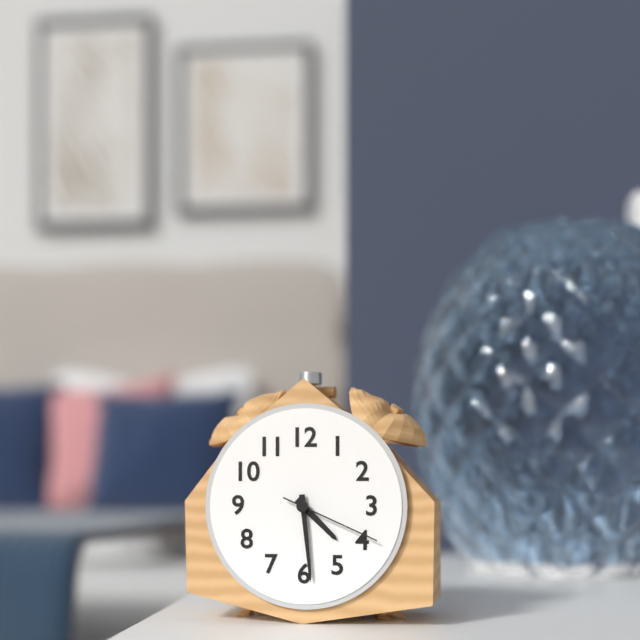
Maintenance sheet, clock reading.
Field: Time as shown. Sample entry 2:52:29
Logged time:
4:29:19
